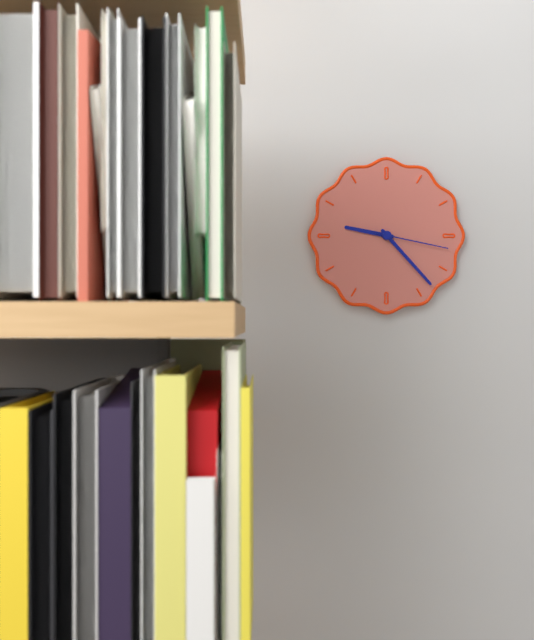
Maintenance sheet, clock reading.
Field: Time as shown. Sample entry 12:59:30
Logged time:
9:23:17
